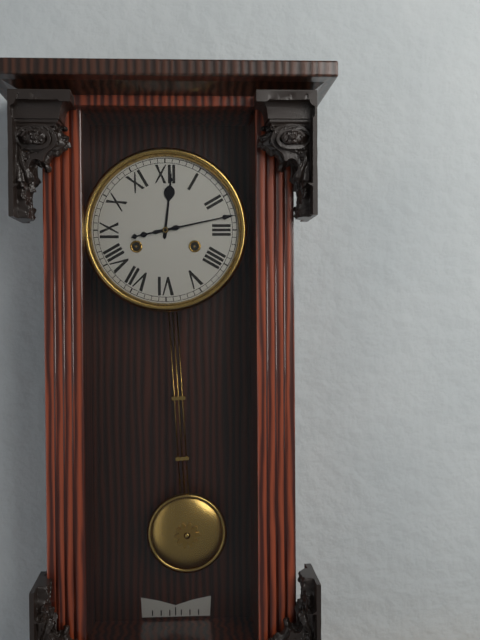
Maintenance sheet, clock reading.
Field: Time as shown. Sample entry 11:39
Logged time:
12:13
